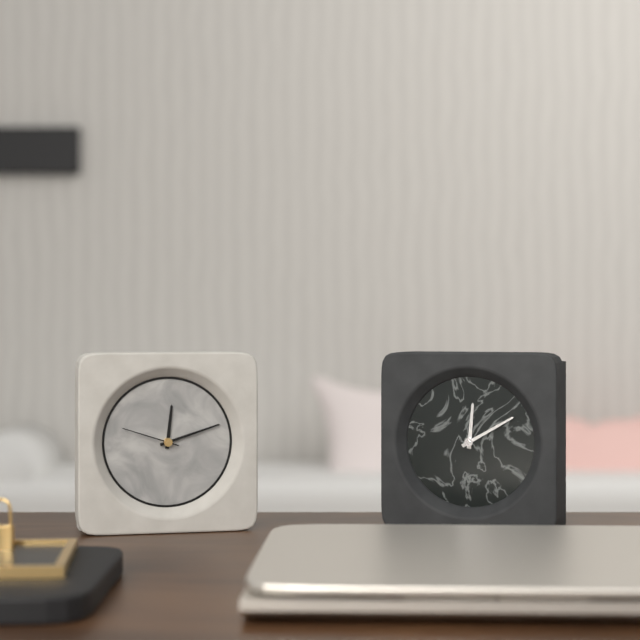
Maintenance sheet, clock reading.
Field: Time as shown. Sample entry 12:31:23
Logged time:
12:12:48
